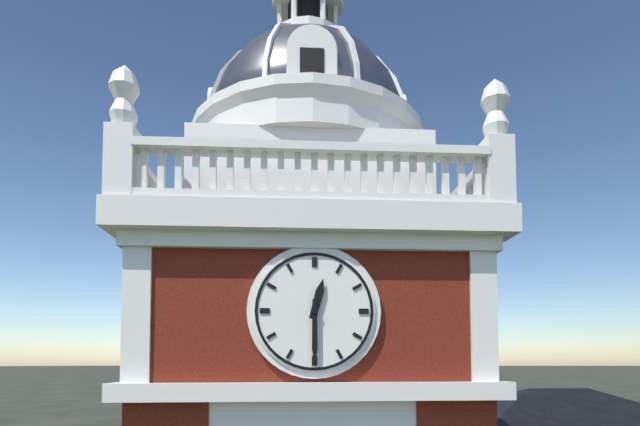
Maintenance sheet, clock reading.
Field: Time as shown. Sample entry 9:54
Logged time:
12:30
